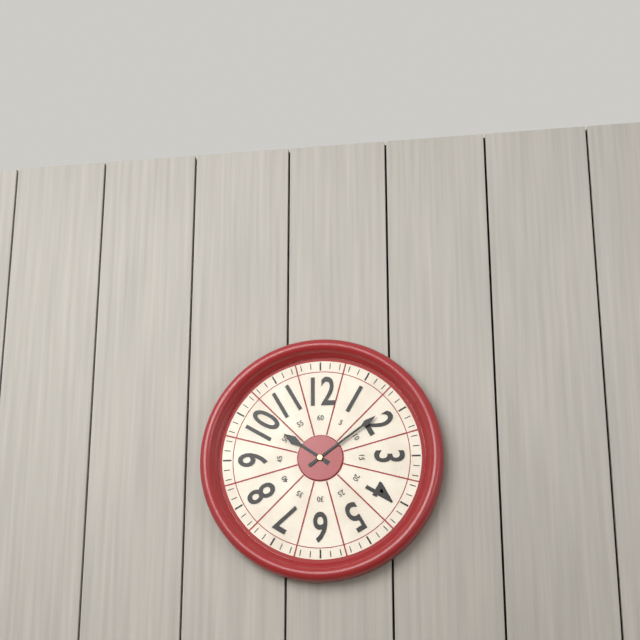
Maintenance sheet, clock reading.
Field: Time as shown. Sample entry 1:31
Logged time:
10:09
